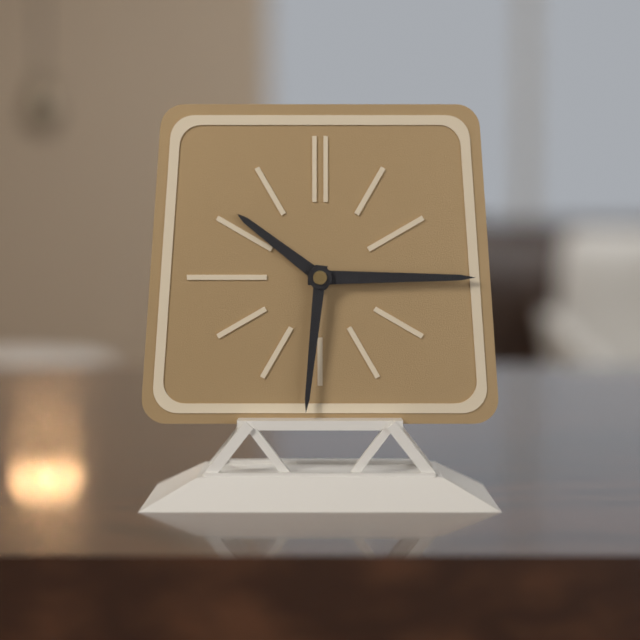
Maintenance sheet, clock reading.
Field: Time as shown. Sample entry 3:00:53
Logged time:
10:15:31
